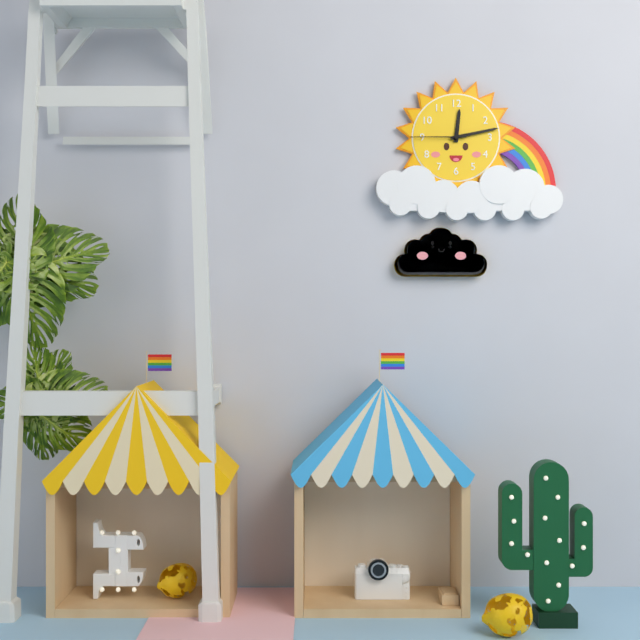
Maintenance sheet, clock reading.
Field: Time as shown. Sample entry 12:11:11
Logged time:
12:13:45
